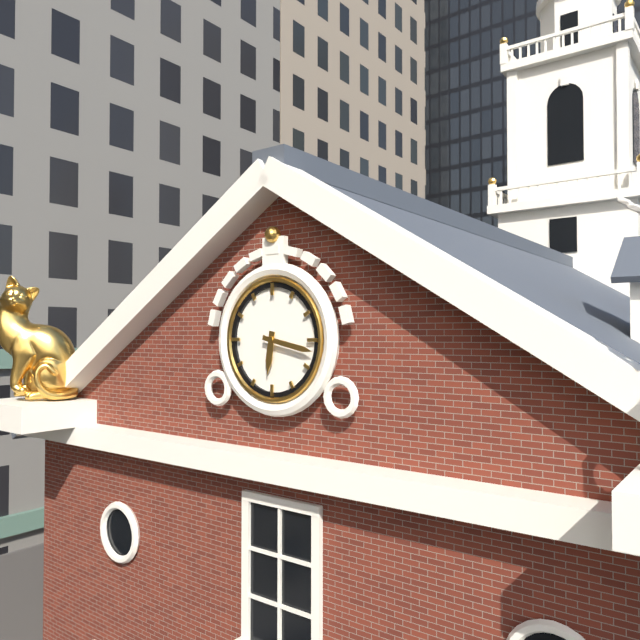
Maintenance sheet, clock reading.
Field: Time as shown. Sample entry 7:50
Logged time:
6:17
